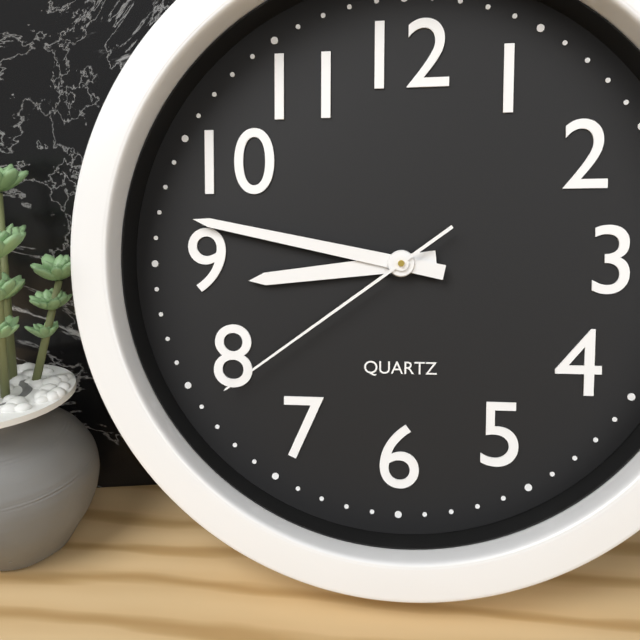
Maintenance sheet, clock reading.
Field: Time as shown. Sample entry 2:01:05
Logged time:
8:47:39
